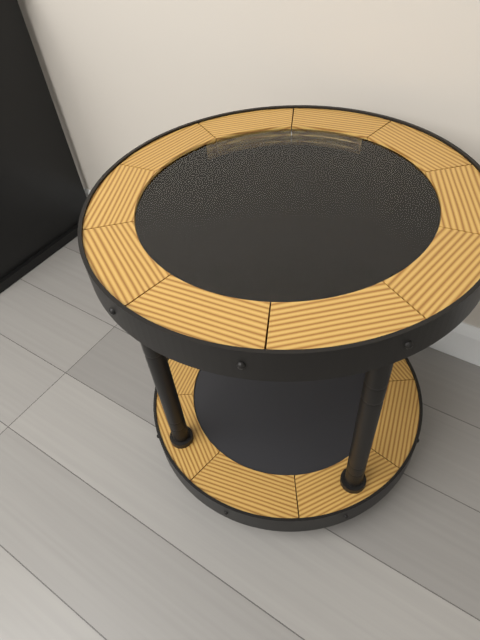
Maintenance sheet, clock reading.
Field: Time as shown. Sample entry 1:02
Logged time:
3:41
